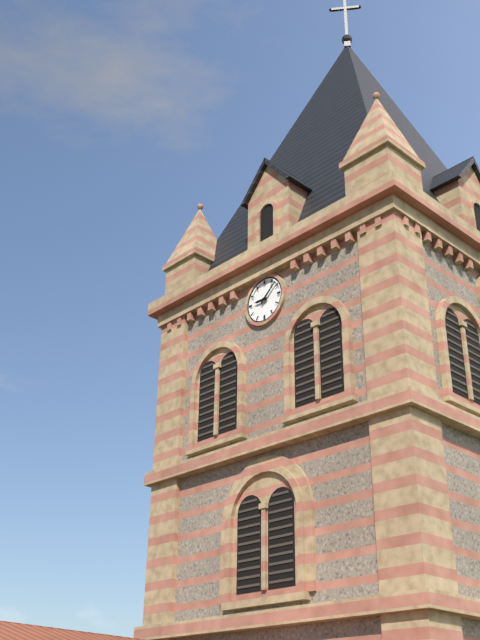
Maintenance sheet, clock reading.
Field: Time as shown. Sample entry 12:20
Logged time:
9:08
